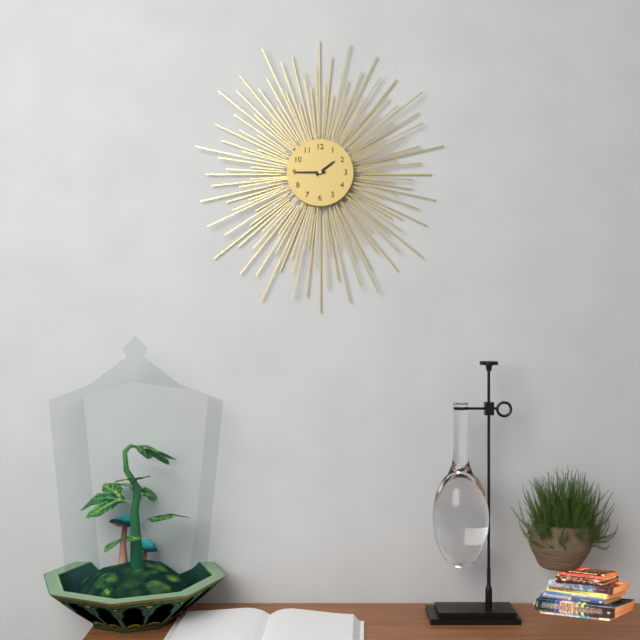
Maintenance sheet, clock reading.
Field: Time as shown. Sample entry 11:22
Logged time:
1:45
